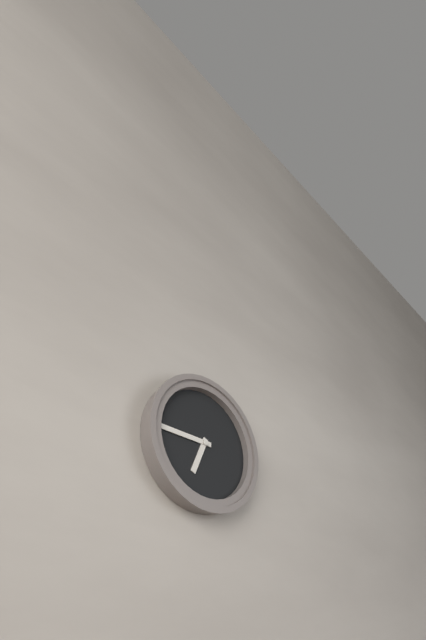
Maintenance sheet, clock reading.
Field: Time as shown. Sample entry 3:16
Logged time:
6:45
